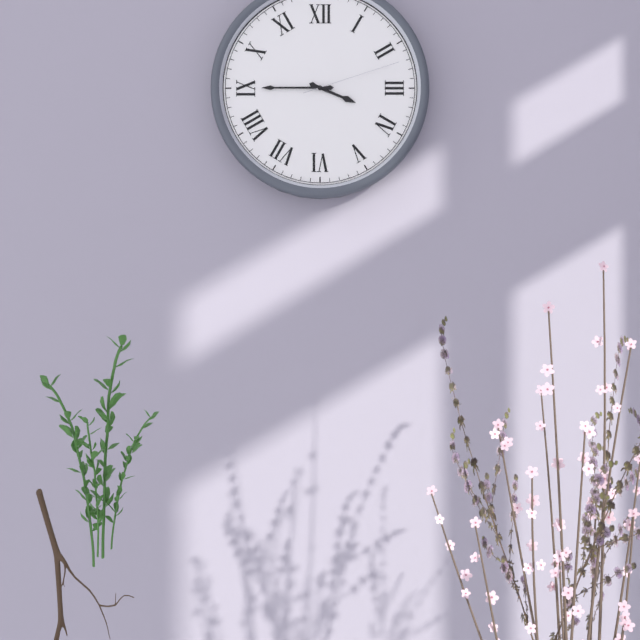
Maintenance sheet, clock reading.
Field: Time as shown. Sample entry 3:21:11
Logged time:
3:45:12
